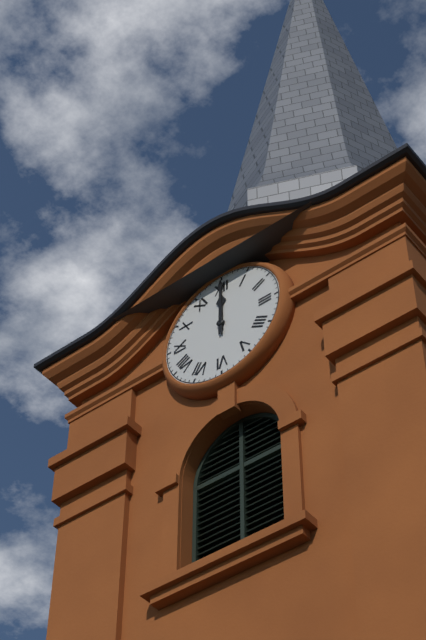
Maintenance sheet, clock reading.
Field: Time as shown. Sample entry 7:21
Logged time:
12:00
